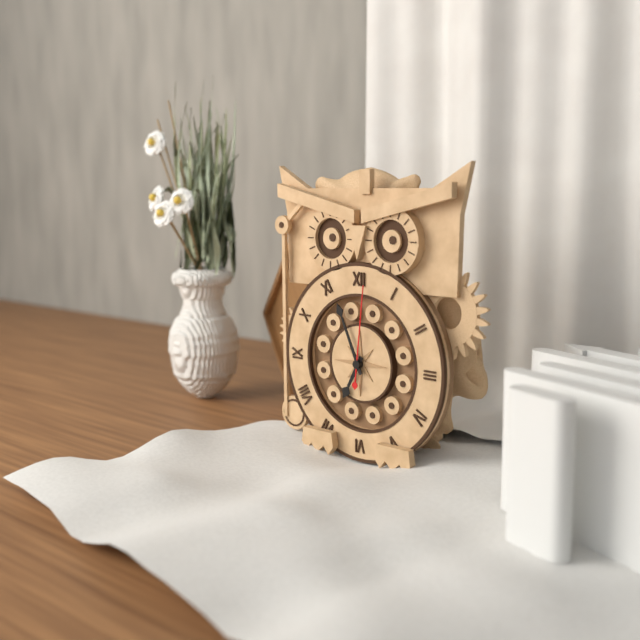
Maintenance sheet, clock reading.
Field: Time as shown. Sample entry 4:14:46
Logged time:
6:56:01
